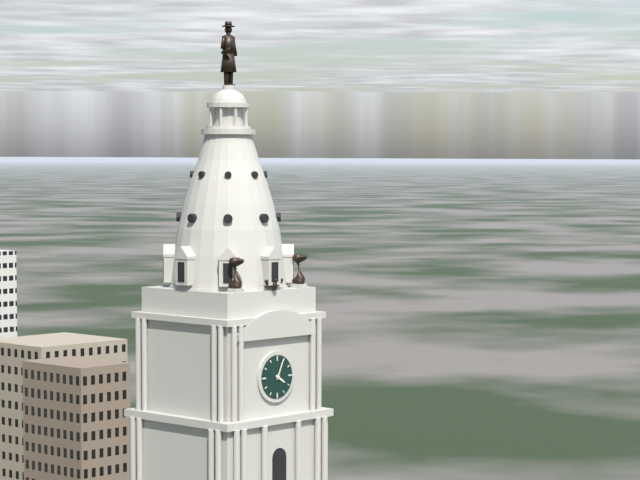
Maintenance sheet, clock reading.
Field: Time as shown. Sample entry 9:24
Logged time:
4:04
